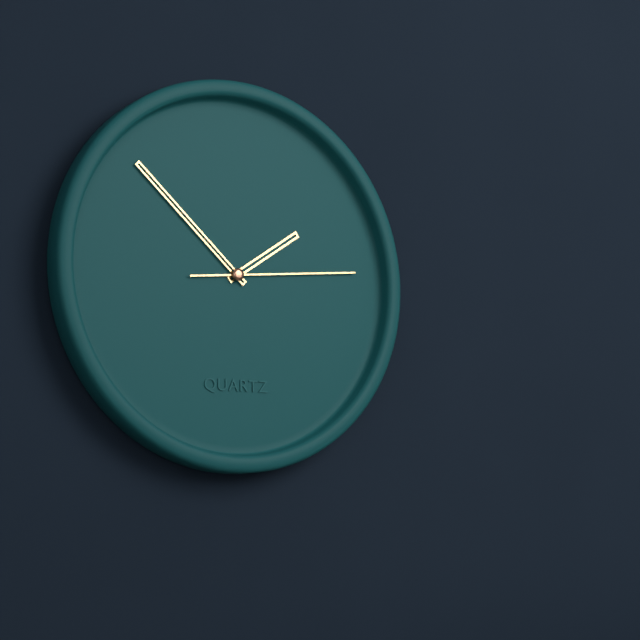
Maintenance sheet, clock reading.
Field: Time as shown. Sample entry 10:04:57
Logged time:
1:52:14
